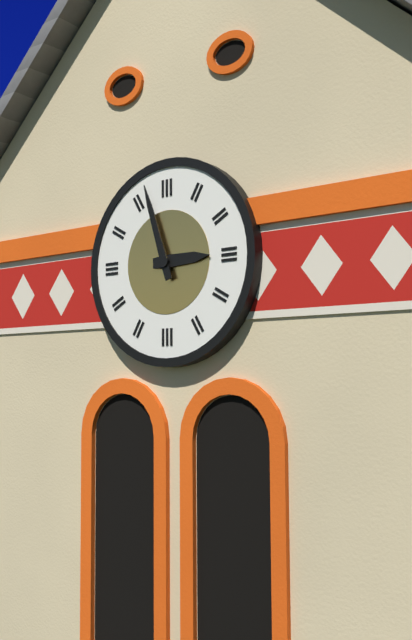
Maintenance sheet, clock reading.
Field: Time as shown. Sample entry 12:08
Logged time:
2:57
